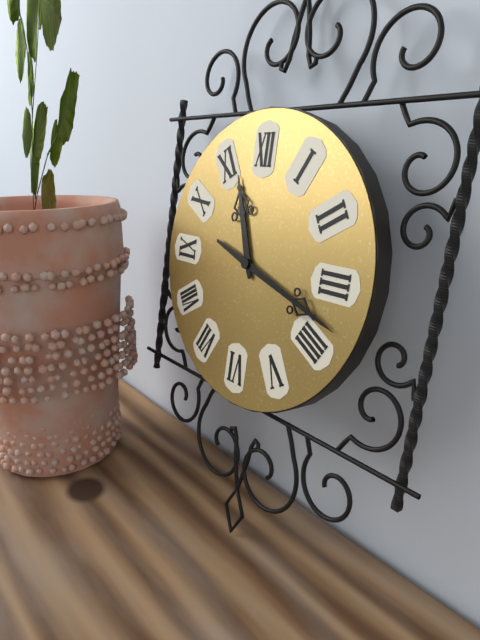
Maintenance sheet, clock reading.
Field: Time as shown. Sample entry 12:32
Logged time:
11:18
